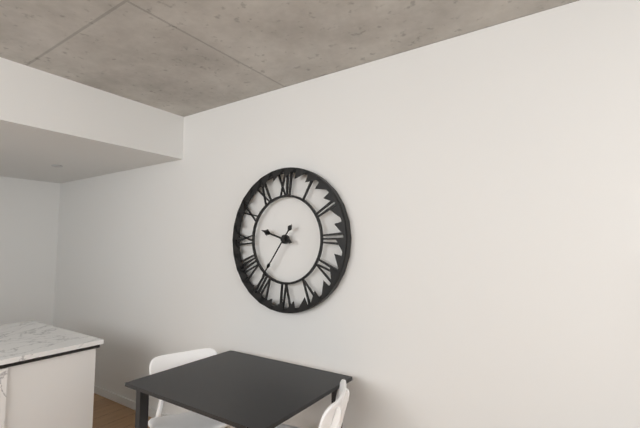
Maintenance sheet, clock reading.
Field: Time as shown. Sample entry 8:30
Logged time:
9:36
